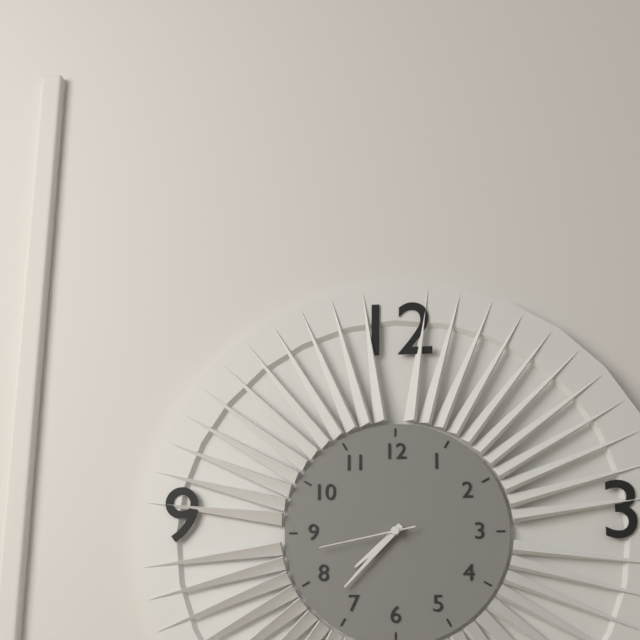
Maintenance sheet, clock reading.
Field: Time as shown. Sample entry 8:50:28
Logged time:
7:37:43
